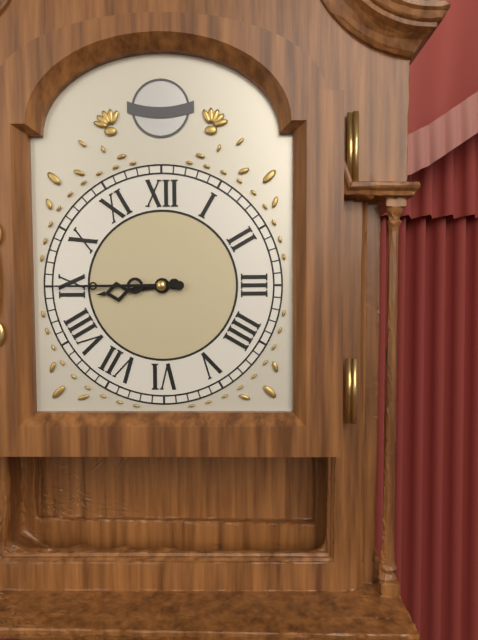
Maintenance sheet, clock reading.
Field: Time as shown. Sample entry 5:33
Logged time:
8:45
